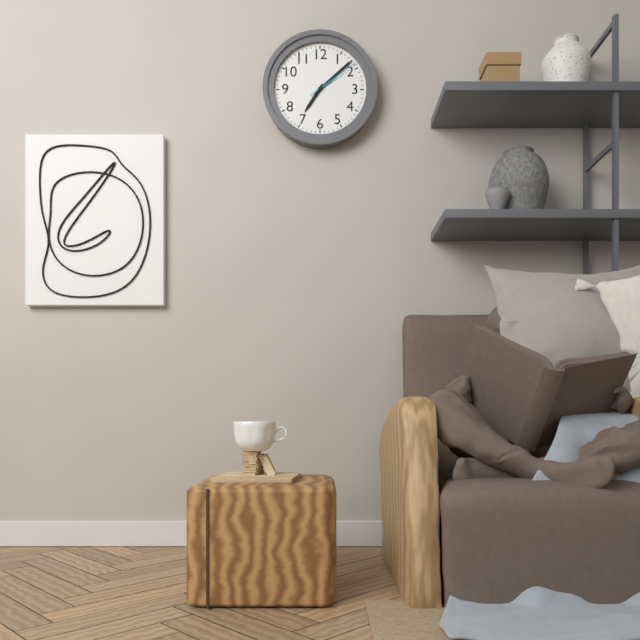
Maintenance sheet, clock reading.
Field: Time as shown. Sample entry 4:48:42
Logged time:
7:08:09
